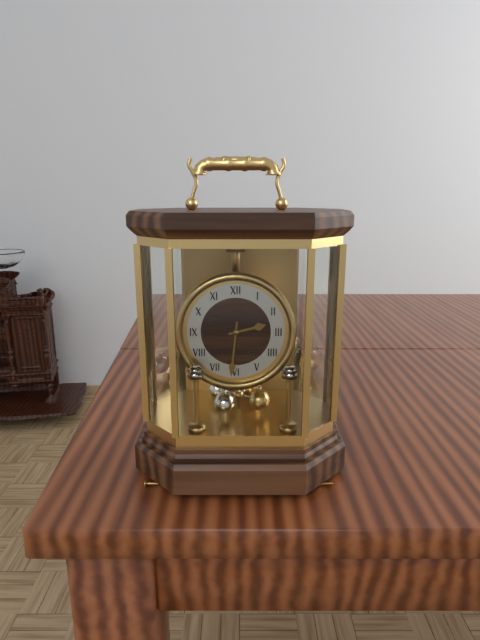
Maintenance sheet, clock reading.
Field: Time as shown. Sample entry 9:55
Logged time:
2:31
